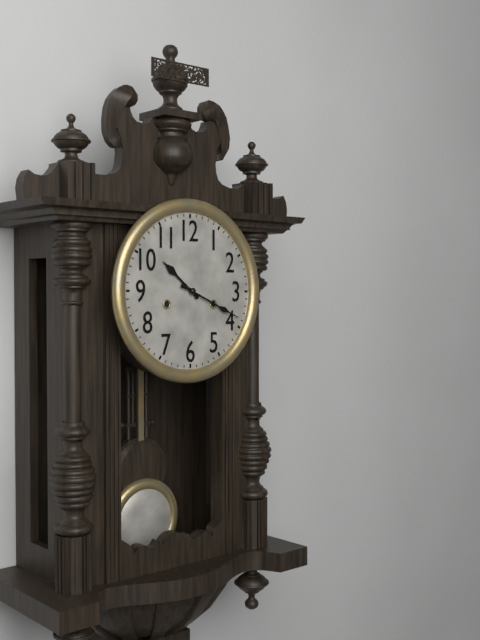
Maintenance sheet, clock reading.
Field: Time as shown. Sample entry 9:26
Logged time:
10:19
